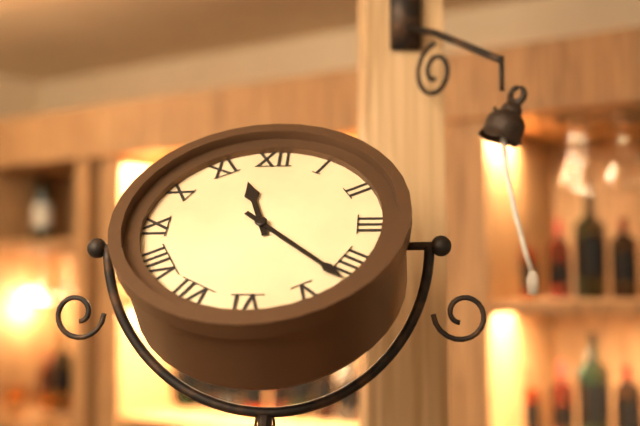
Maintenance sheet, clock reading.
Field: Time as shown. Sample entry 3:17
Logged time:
11:22
